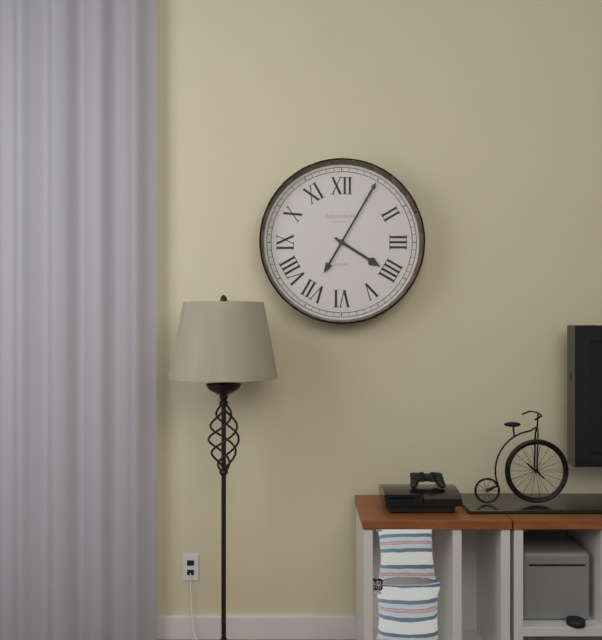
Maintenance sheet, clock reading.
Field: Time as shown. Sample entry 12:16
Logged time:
4:05
